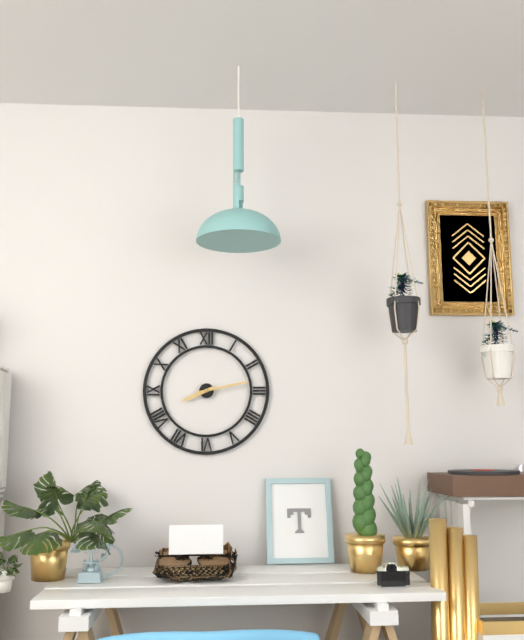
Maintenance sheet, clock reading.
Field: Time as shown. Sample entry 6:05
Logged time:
8:13
